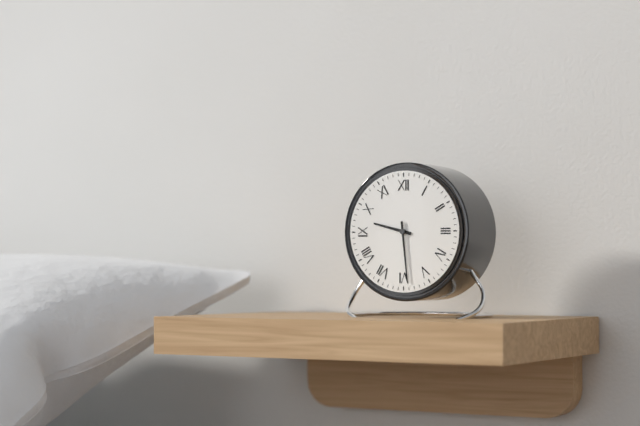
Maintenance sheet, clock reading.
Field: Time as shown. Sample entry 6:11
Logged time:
9:29
